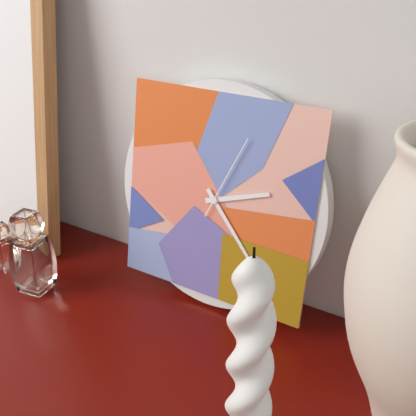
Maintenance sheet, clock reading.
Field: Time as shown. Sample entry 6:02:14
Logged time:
2:23:04
